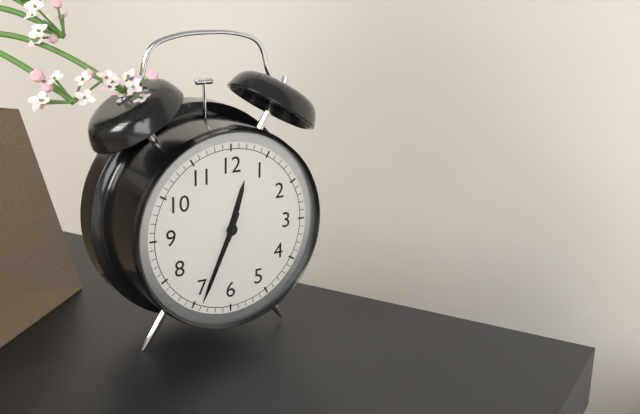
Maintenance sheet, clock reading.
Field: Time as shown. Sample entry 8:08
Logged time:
12:34
